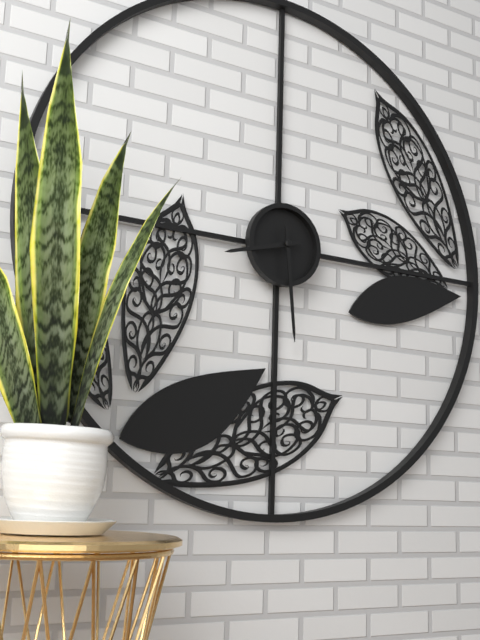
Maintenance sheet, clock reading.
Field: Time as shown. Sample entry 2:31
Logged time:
8:29
